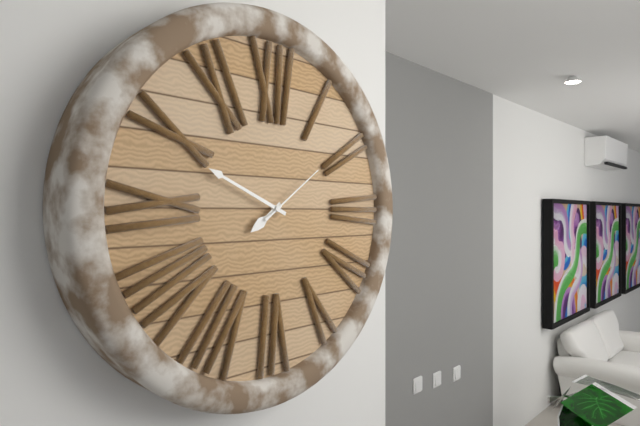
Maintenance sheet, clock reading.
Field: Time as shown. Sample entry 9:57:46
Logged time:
7:49:09
